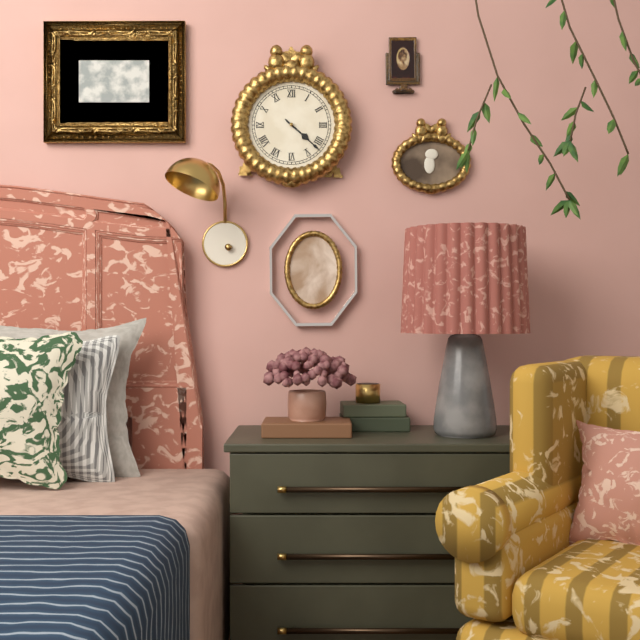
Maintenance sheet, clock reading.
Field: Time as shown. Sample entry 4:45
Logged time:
4:22
